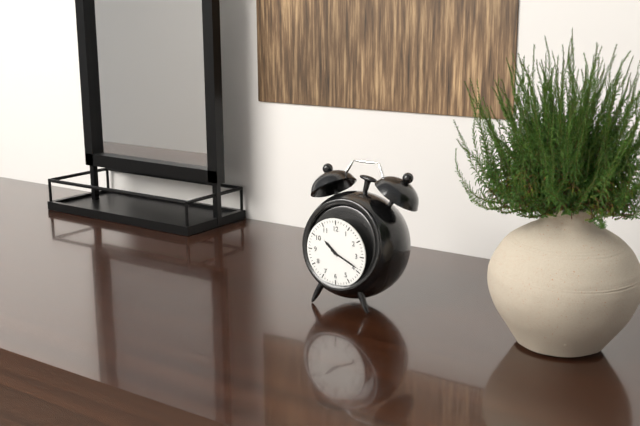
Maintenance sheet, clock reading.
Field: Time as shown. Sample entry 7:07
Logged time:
10:19
